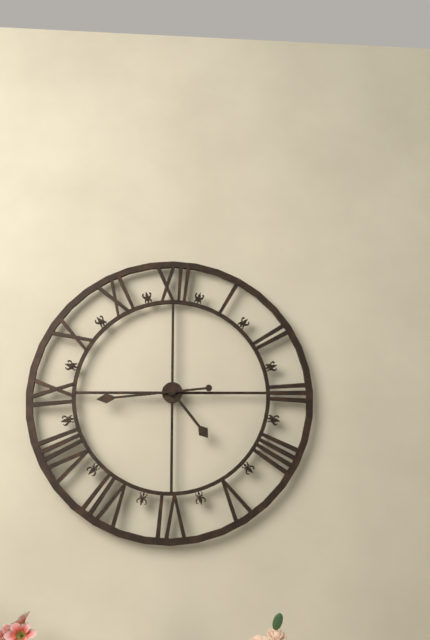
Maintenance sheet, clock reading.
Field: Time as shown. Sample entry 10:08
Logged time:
4:44
